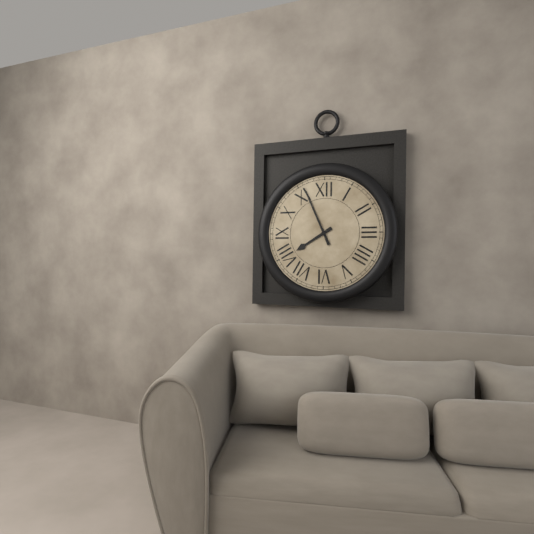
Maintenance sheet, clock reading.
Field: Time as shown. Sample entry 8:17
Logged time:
7:56
